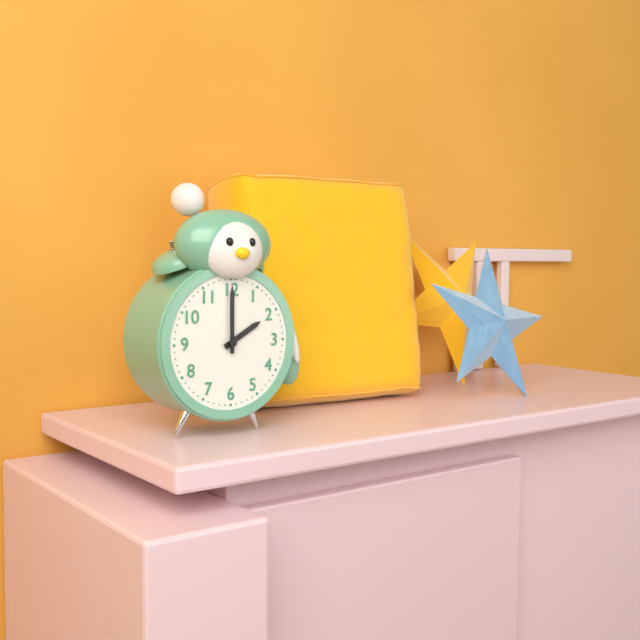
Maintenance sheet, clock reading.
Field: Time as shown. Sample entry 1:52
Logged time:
2:00
